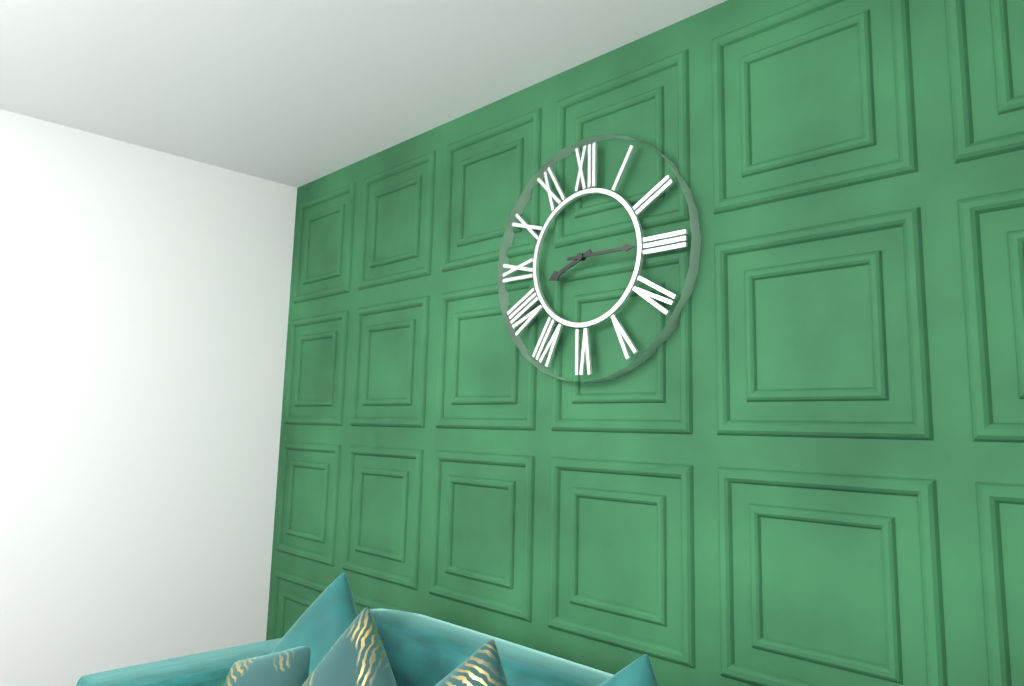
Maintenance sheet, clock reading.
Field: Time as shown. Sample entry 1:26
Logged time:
8:15
